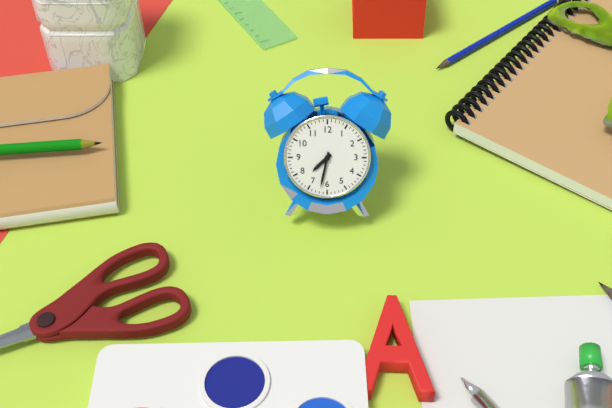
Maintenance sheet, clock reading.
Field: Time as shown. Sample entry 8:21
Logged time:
7:32
